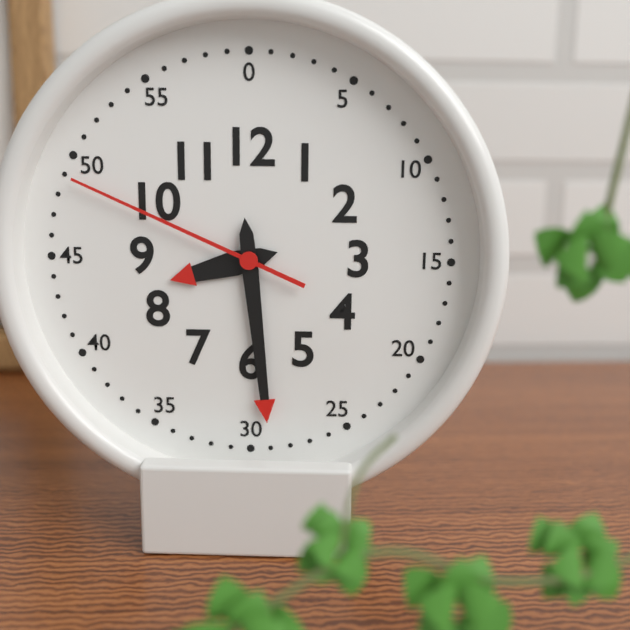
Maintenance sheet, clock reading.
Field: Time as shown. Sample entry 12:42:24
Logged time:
8:29:49
